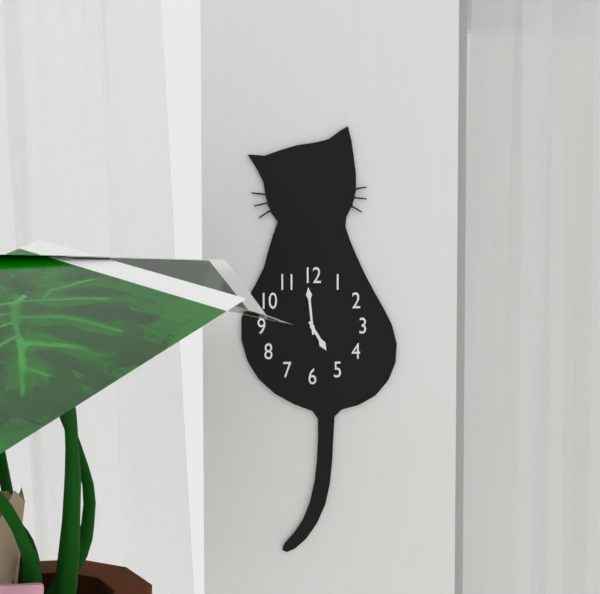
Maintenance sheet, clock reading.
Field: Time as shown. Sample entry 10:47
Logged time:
4:59
